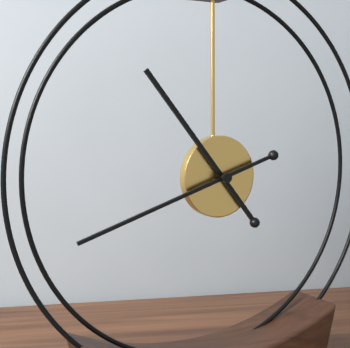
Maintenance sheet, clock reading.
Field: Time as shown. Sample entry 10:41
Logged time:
10:42
